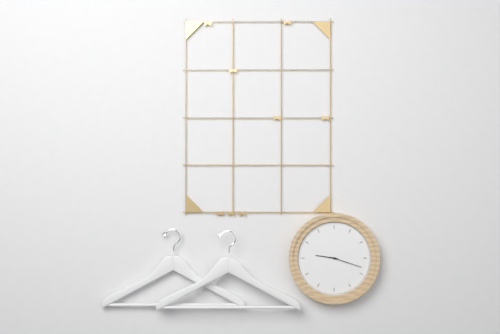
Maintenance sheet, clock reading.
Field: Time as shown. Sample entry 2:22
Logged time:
9:18
